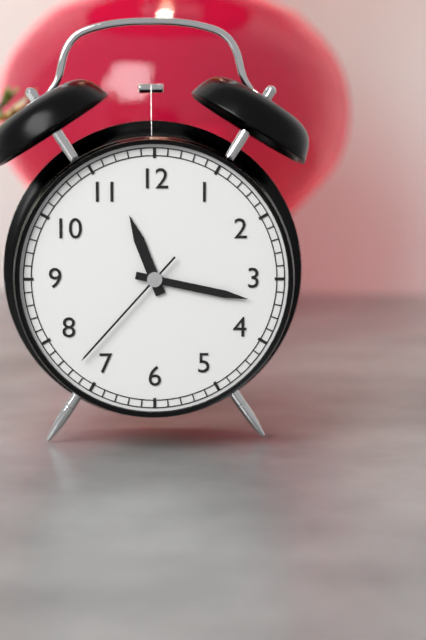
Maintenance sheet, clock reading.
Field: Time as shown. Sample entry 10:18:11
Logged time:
11:17:37
